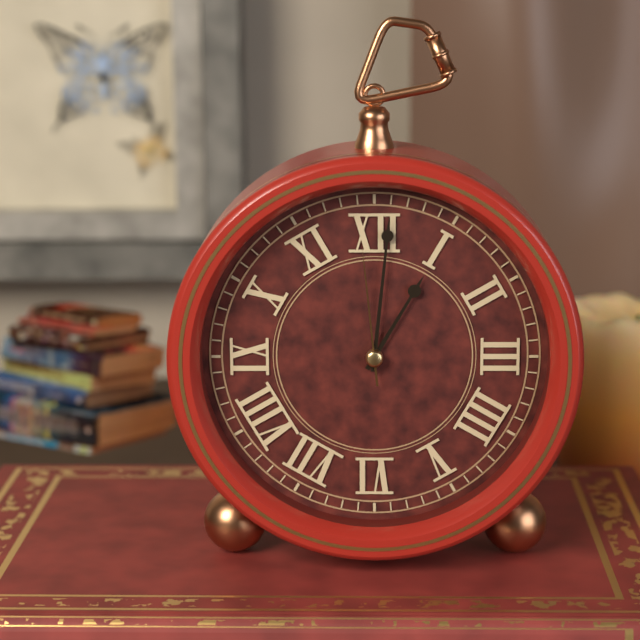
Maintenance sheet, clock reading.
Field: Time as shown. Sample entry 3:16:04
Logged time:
1:01:59
